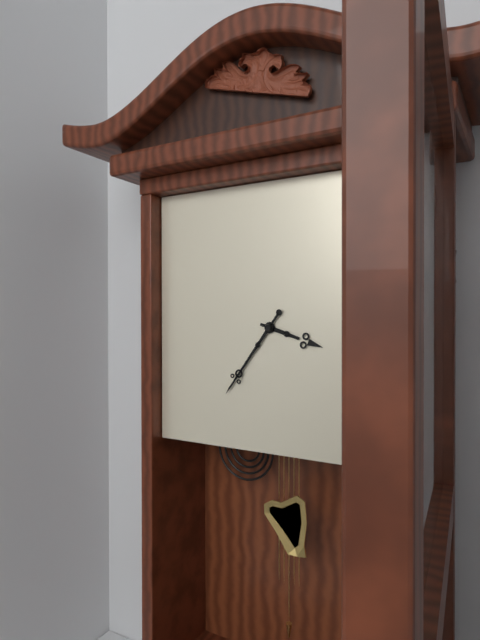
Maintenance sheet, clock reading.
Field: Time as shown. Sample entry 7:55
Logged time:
3:36
